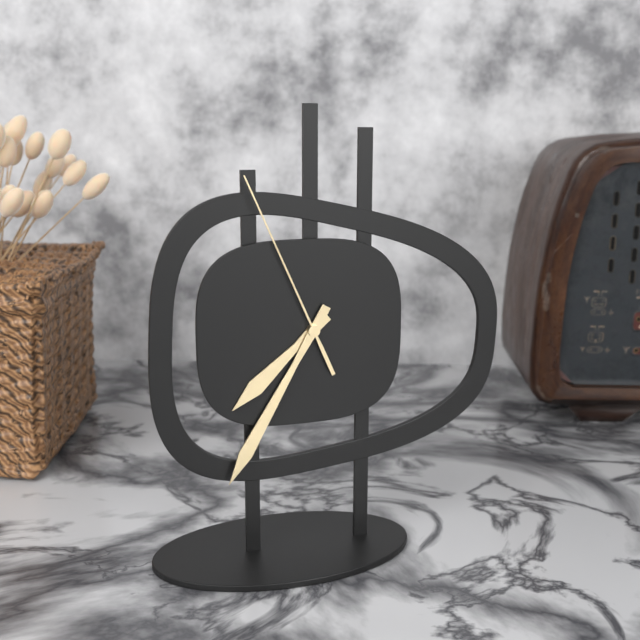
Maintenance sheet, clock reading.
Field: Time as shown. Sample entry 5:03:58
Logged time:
7:35:56
